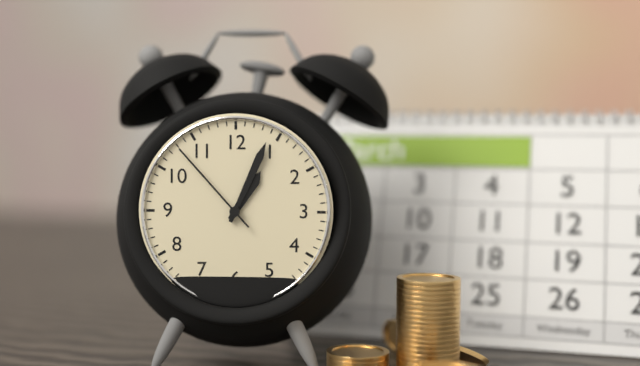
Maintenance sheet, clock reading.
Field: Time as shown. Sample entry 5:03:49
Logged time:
1:04:53
